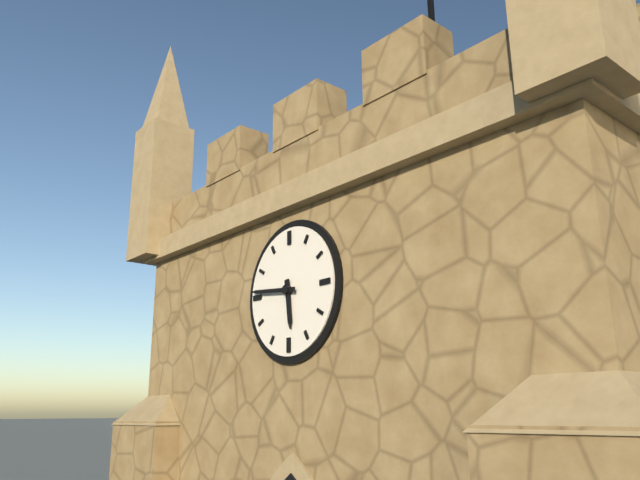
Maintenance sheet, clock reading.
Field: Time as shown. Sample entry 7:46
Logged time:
5:46
